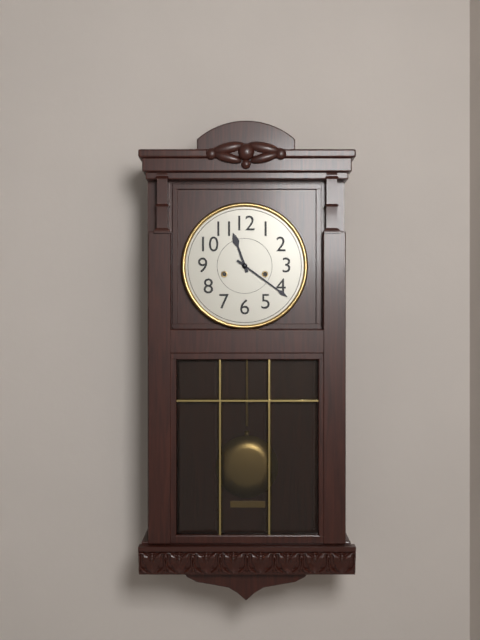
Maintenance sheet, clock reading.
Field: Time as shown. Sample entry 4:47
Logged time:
11:21
